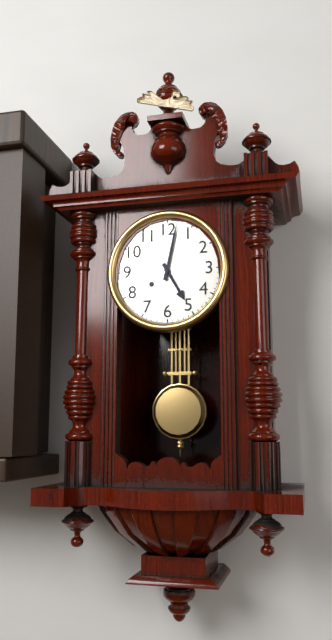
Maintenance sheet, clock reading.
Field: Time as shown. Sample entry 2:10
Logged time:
5:02
